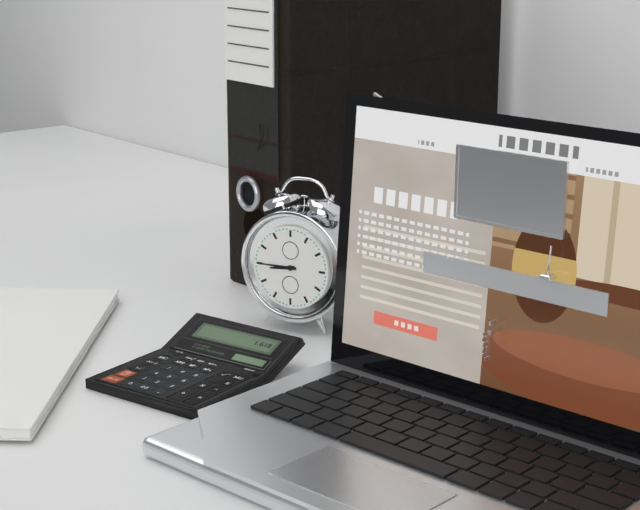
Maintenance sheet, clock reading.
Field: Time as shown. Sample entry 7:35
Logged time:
8:45
